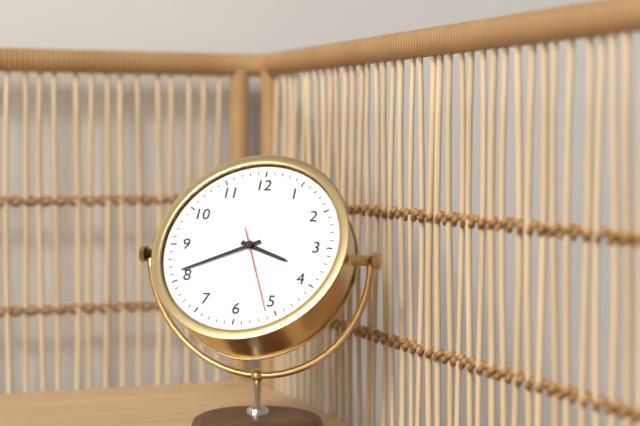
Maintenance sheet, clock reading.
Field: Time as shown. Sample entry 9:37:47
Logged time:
3:41:26
